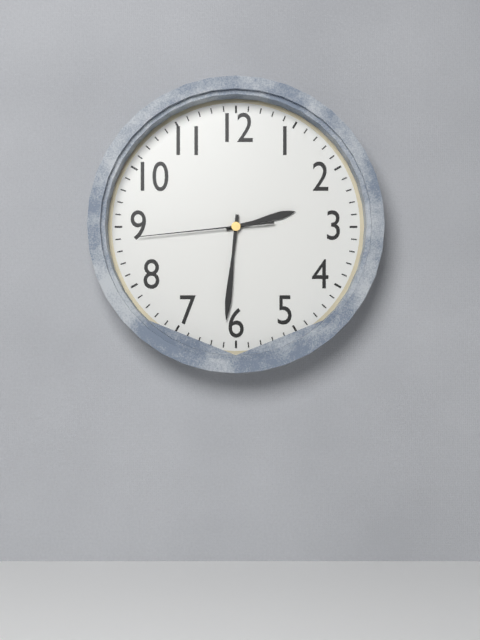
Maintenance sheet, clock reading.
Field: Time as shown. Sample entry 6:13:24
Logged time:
2:31:44
